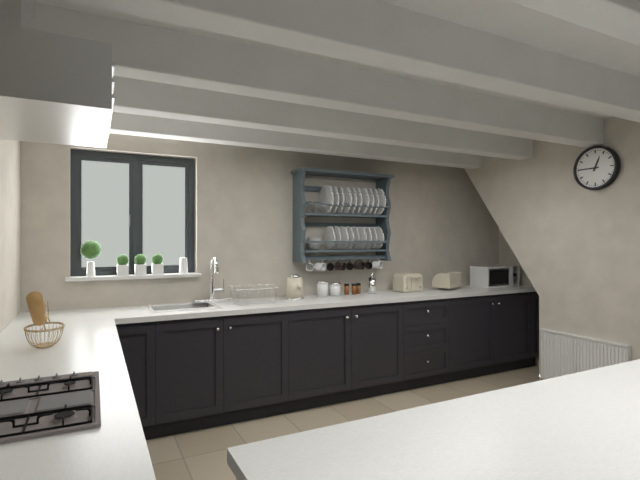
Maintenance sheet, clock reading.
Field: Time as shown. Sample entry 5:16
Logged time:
12:45
